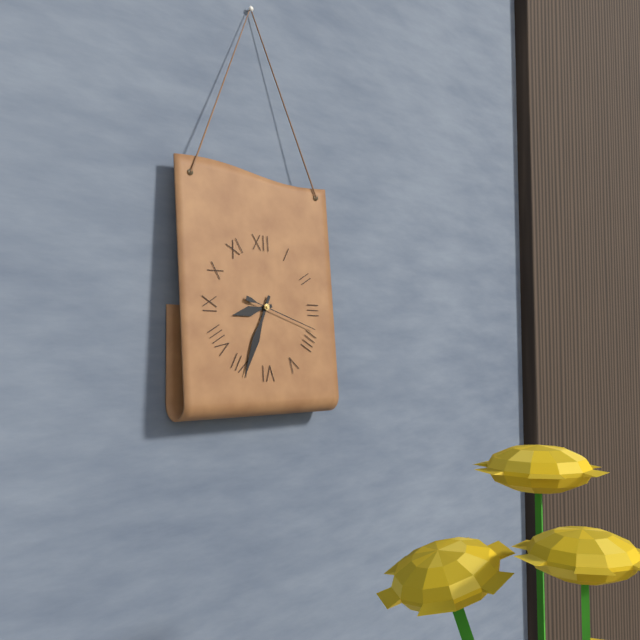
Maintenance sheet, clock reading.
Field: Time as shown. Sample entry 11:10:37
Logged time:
8:34:18
